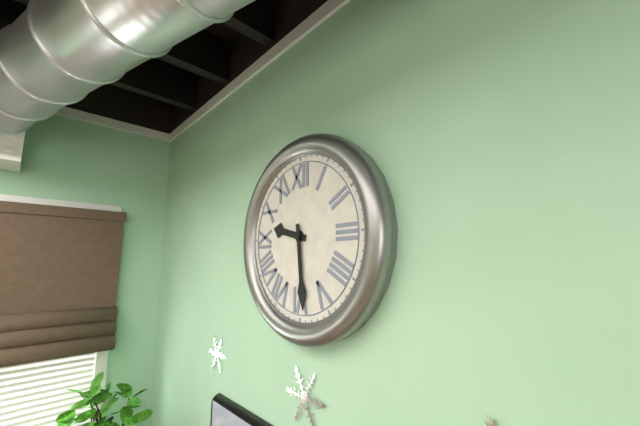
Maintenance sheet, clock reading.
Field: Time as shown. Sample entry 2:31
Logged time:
9:29
